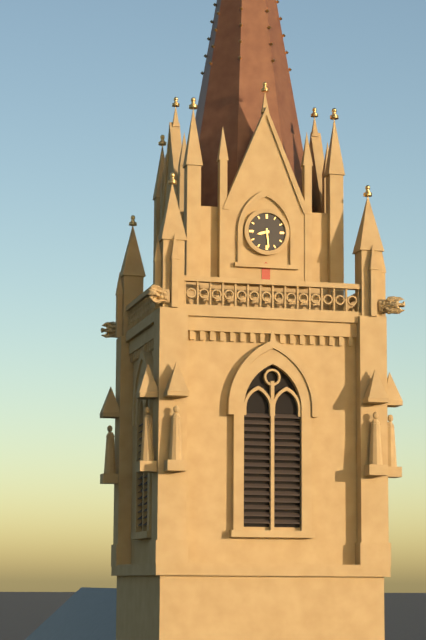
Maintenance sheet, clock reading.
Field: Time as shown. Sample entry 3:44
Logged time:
8:29
